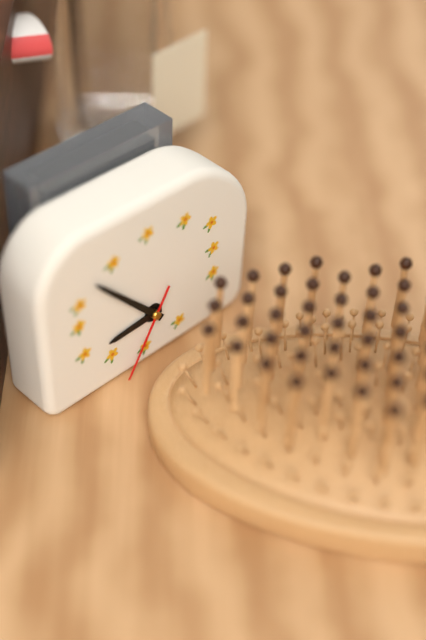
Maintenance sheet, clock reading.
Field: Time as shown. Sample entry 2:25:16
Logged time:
8:53:35
